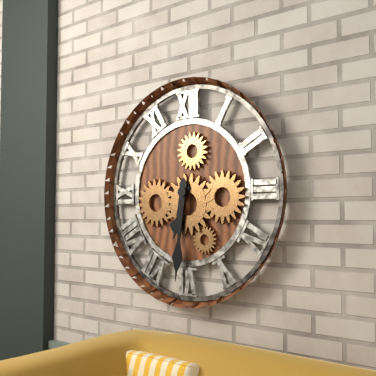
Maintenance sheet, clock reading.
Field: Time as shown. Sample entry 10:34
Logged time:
6:31
